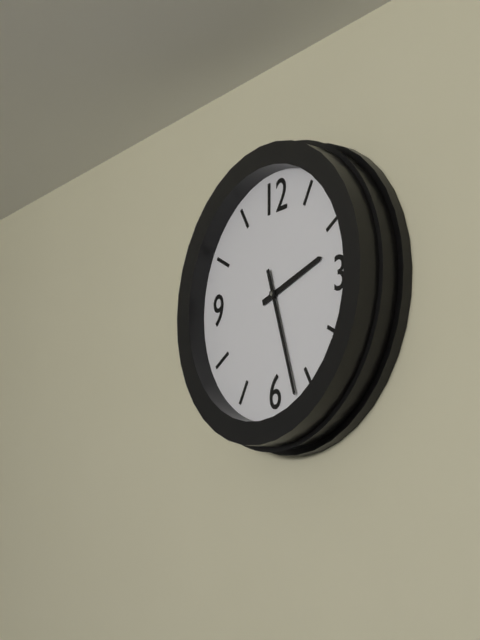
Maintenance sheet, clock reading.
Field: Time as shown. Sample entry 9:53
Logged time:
2:27
